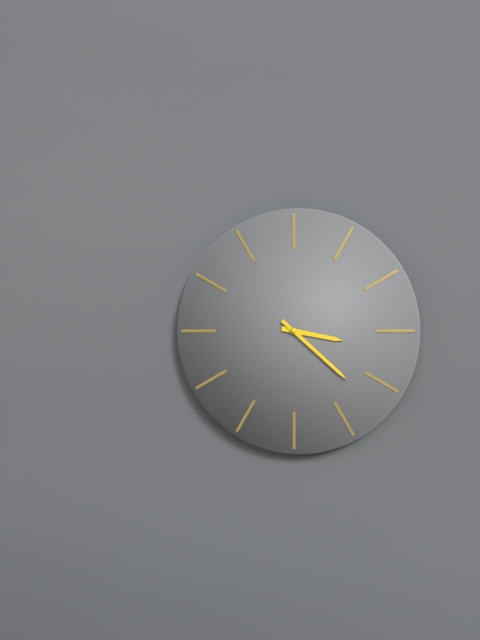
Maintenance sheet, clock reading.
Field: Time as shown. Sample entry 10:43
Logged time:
3:22
